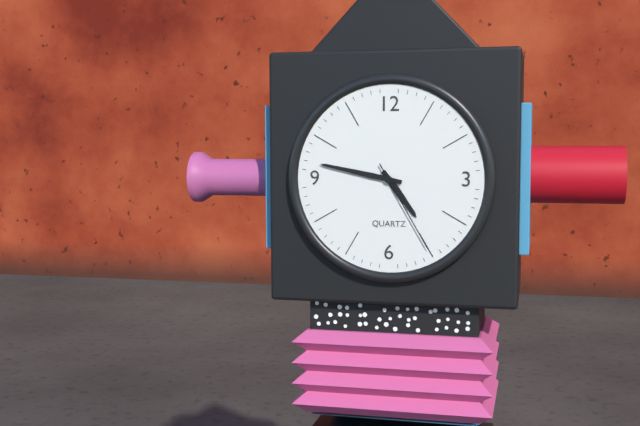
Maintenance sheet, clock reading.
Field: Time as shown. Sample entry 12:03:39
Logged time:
4:47:25
